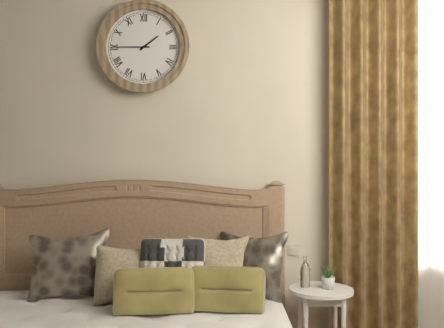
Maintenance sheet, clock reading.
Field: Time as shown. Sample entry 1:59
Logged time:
1:45
